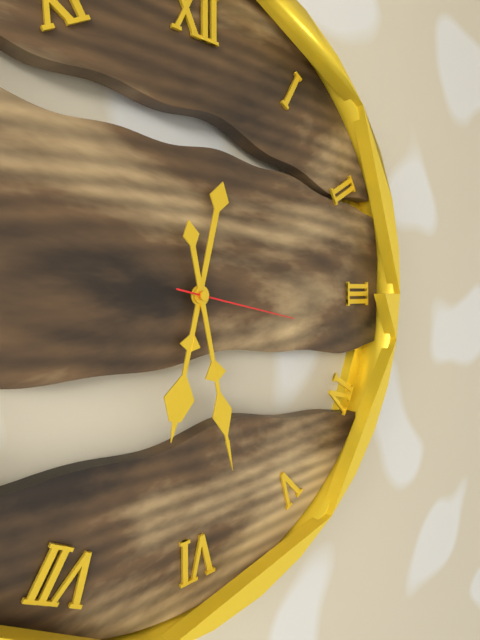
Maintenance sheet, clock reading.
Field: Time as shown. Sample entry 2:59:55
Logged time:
6:28:17
